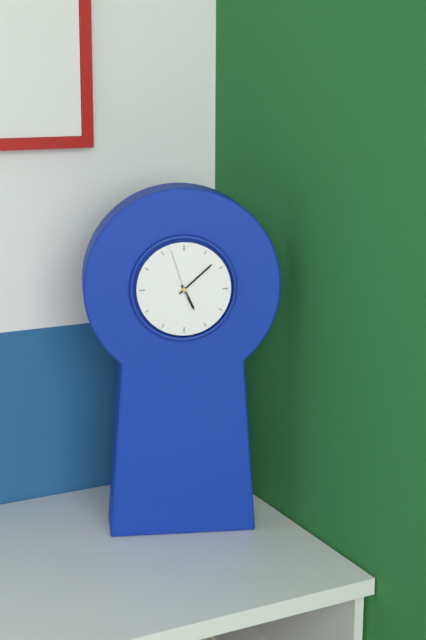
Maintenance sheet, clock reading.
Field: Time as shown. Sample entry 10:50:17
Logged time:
5:08:57
